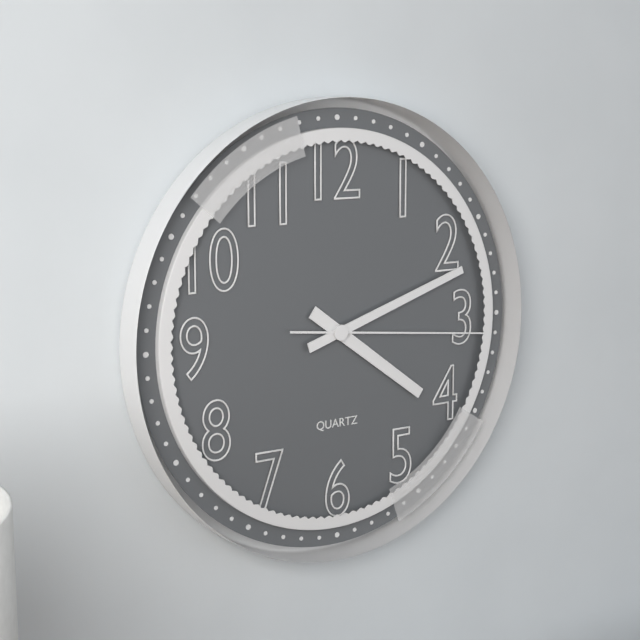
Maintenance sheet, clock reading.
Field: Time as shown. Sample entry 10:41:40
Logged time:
4:12:16
